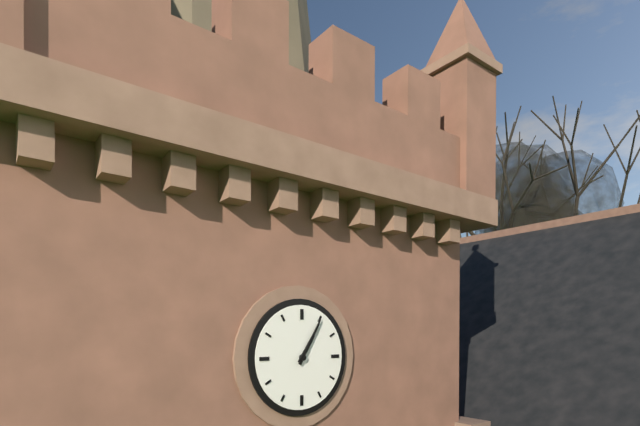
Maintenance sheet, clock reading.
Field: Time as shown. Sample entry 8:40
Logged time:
1:05
